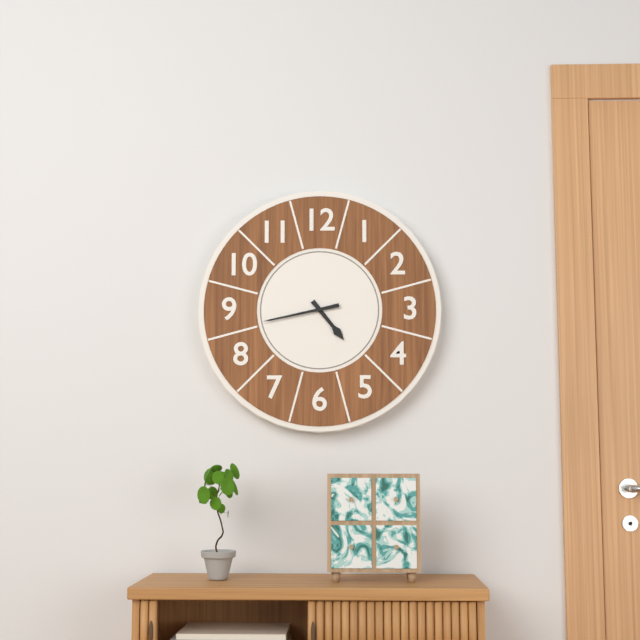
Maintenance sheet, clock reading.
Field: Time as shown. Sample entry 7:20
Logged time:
4:43
